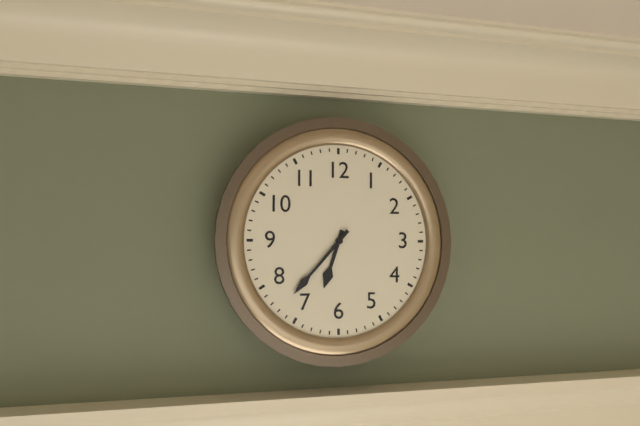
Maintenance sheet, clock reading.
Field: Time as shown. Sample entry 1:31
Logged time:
6:37
